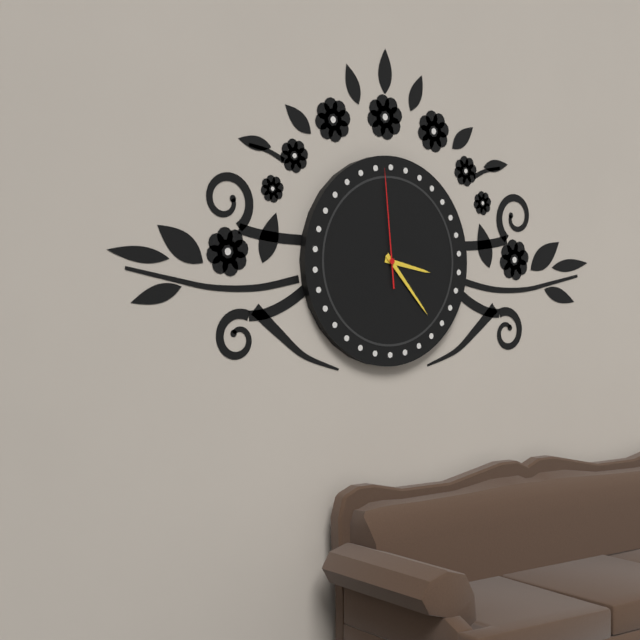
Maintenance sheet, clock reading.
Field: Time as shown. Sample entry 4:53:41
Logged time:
3:23:59
